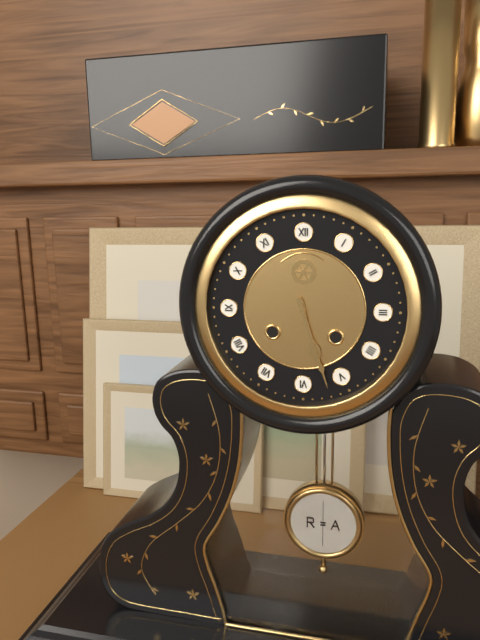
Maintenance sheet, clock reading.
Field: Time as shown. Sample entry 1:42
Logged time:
5:27
